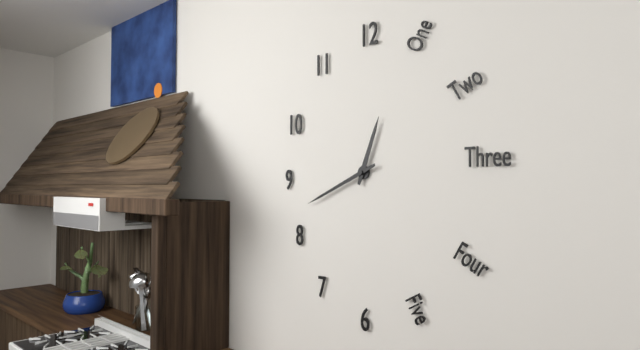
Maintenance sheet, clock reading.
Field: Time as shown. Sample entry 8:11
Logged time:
12:41
